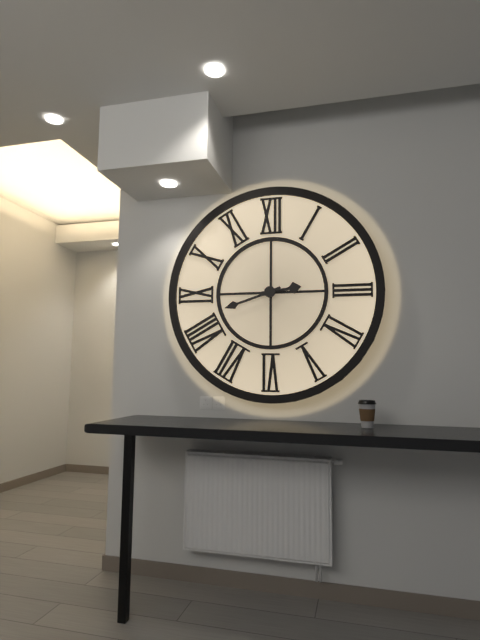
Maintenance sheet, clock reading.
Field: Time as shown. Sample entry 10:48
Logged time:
2:42
